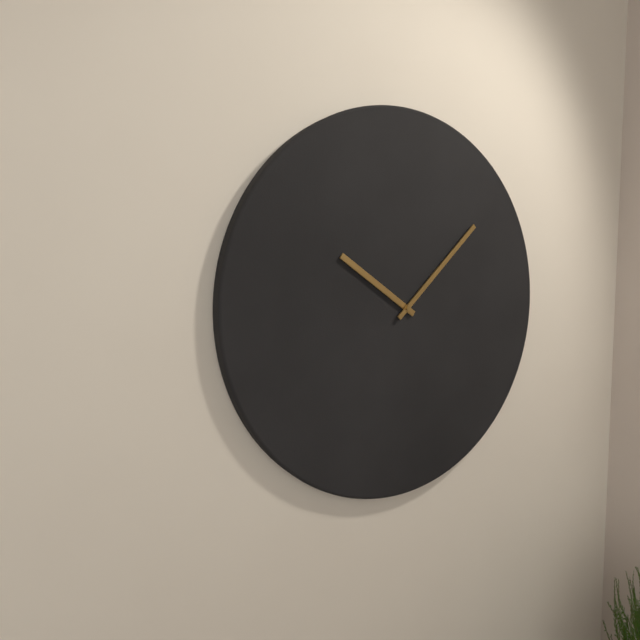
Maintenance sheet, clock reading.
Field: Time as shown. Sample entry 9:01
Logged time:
10:08
